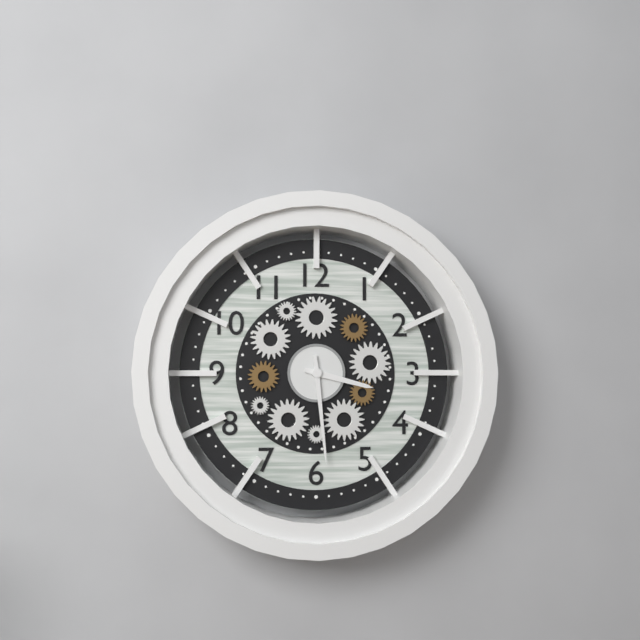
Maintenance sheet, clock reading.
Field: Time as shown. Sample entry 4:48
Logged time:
3:29
